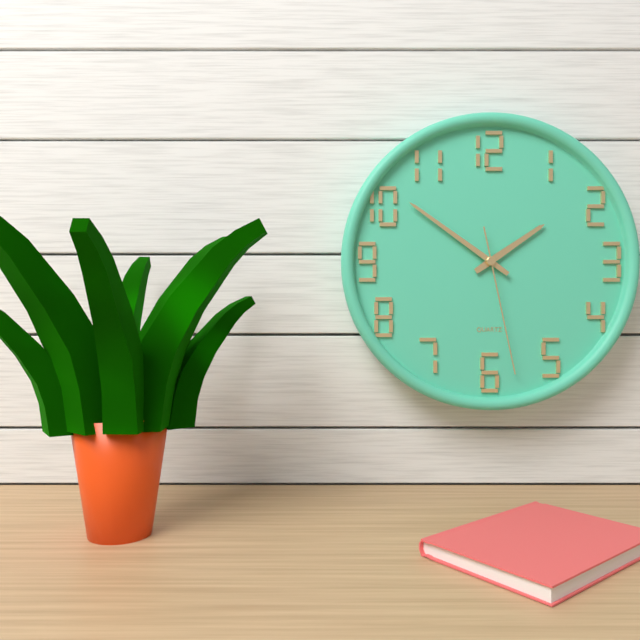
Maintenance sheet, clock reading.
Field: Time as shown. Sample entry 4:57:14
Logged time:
1:51:28
